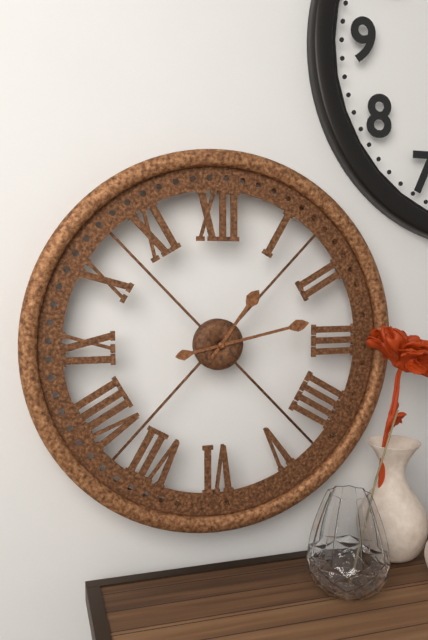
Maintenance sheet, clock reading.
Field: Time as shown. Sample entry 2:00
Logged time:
1:13
